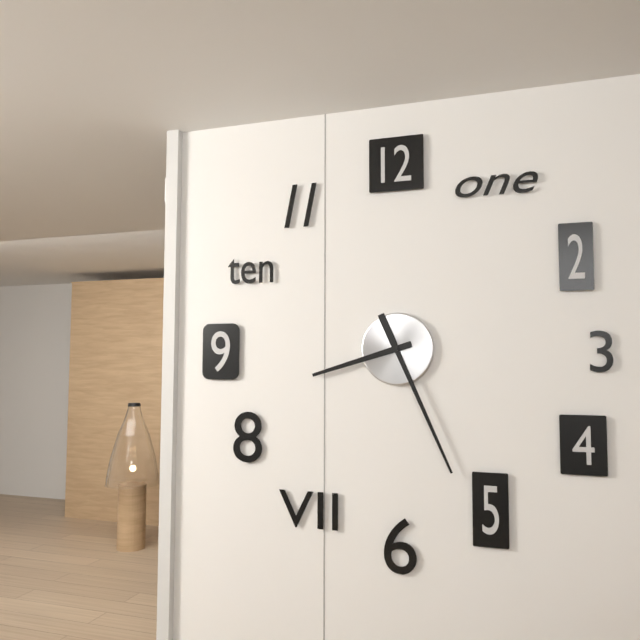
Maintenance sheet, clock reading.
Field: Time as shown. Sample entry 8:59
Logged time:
8:26
